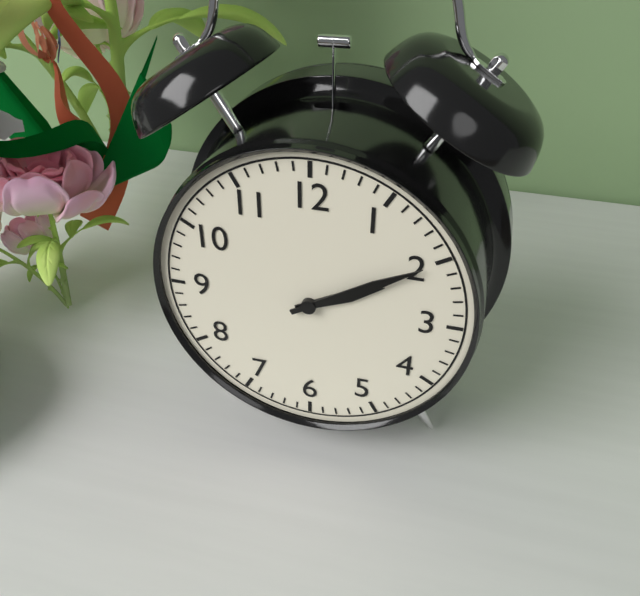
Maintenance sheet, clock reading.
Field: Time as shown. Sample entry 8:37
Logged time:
2:10
